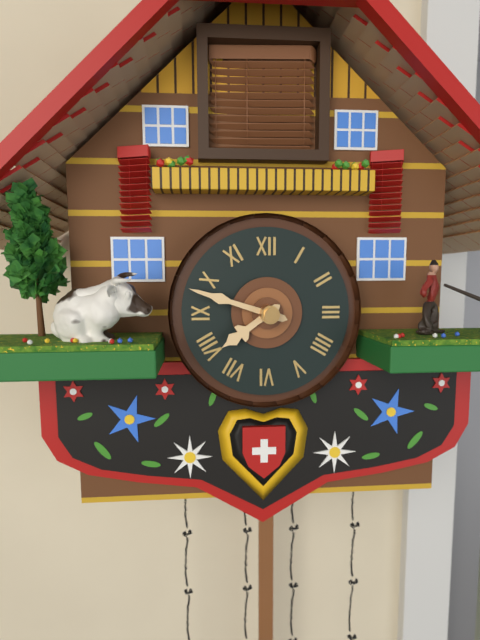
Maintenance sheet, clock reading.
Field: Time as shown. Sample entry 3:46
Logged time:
7:48
